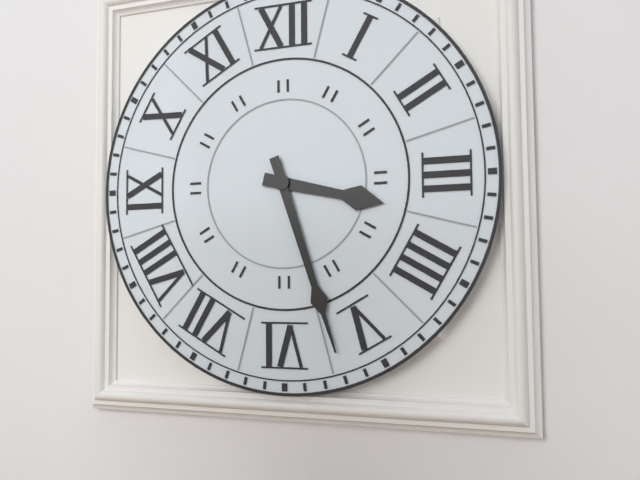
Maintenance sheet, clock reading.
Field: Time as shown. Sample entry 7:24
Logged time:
3:27
